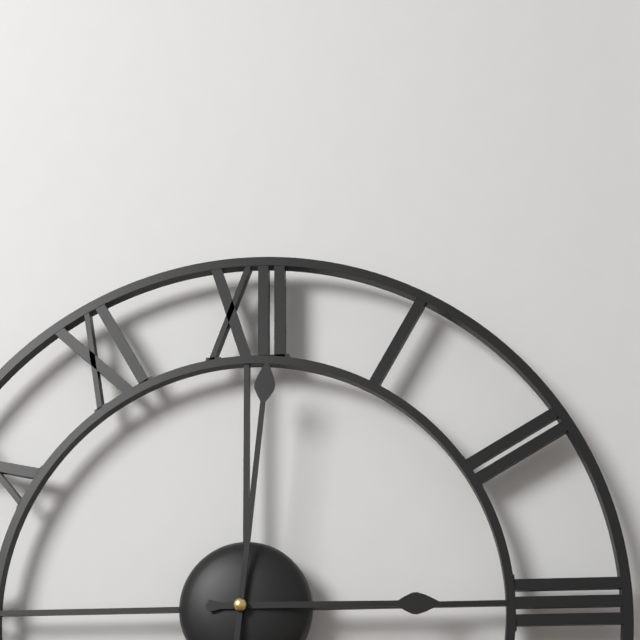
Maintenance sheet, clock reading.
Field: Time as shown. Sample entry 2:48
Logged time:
3:01
